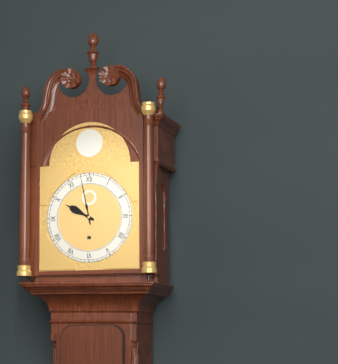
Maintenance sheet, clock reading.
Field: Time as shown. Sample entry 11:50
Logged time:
9:58
